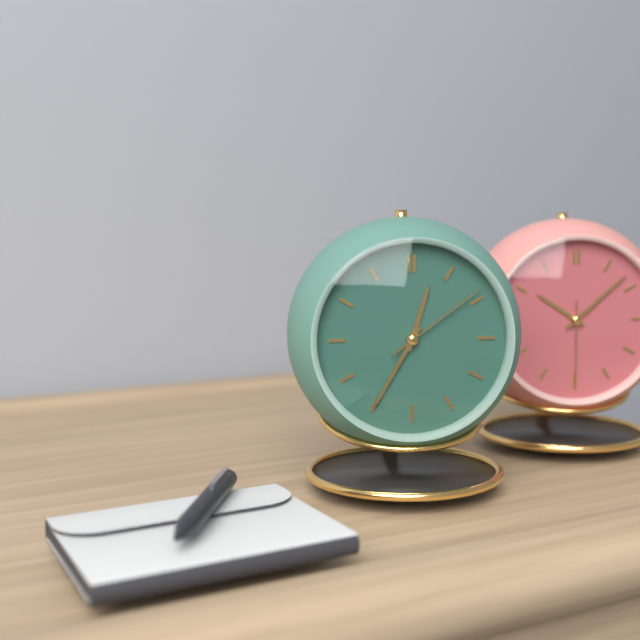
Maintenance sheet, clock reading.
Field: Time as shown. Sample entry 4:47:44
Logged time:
12:35:09
